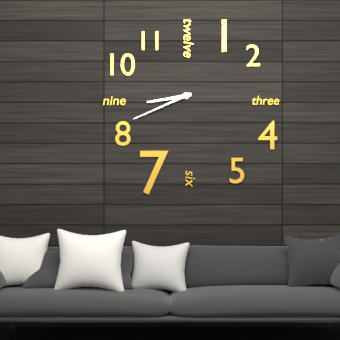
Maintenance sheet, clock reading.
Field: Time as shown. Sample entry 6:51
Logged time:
8:41
